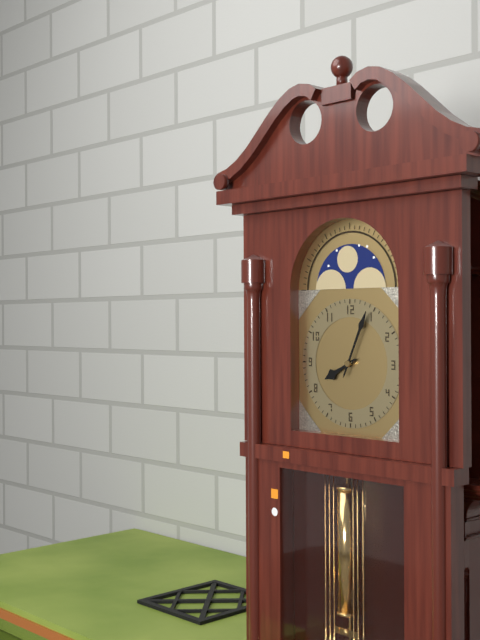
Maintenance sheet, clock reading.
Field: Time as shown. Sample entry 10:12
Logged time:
8:04
